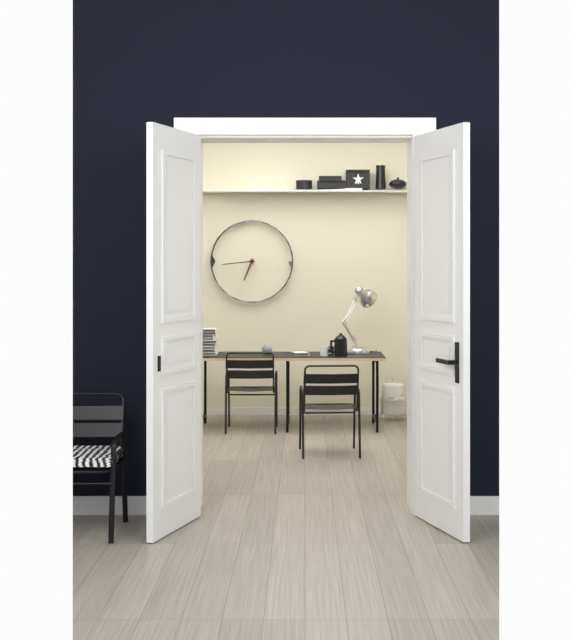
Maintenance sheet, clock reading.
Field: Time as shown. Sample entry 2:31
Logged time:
6:44
